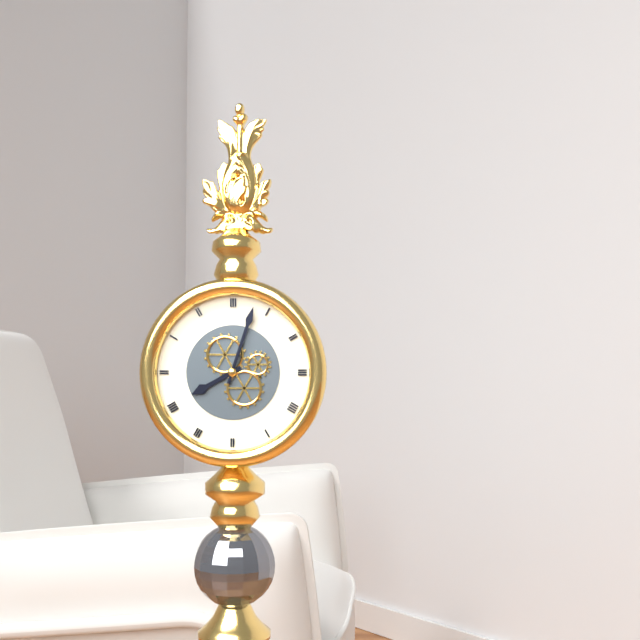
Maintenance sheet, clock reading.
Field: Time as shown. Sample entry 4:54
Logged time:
8:03
